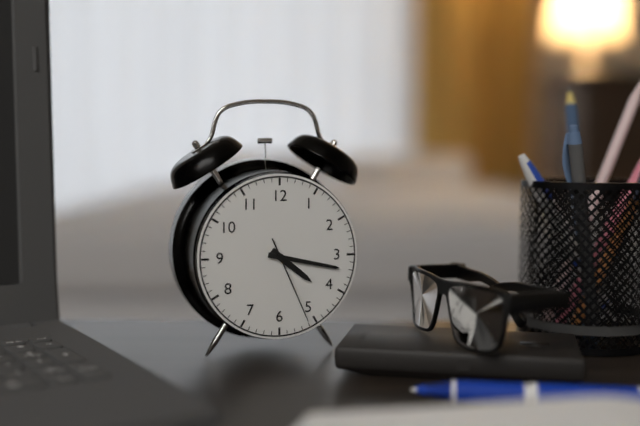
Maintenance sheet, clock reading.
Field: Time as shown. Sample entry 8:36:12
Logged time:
4:17:26
